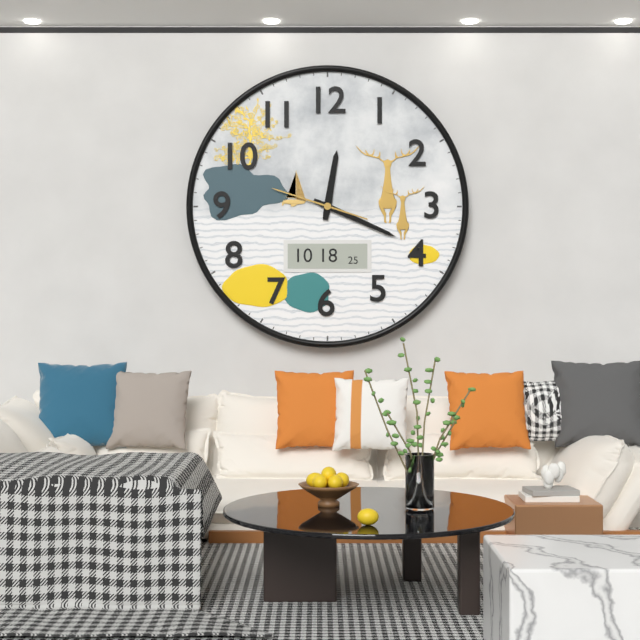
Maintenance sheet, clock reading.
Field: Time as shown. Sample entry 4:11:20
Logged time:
12:19:48
